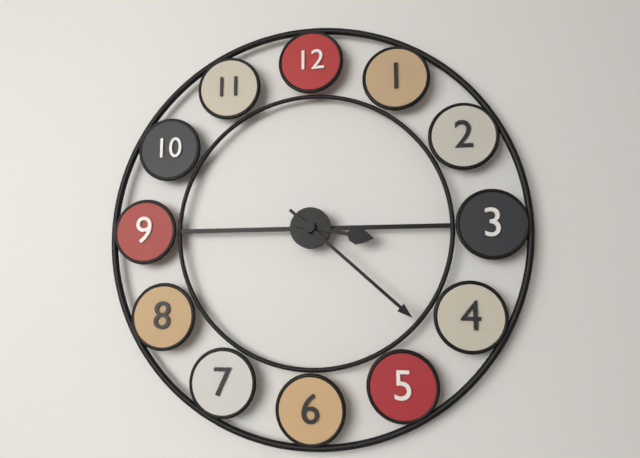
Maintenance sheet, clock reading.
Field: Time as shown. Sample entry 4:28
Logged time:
3:22
